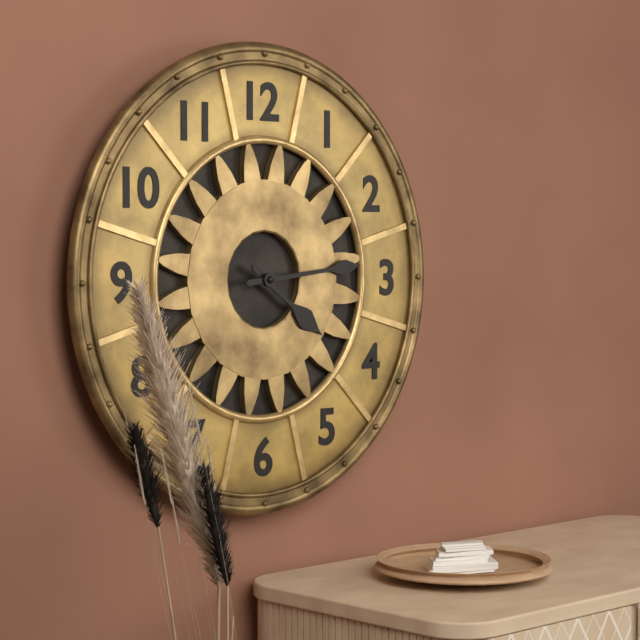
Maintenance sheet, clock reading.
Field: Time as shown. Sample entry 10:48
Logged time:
4:14
